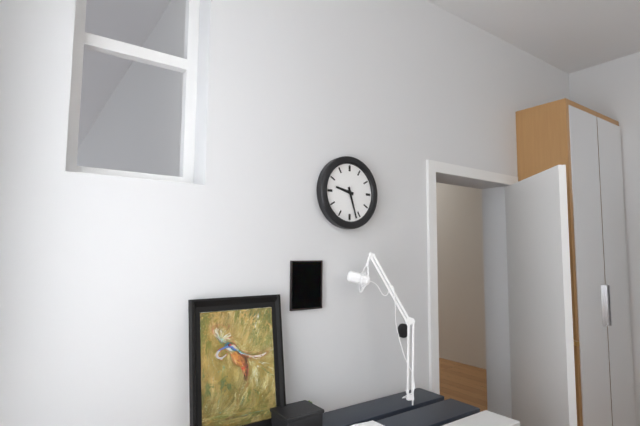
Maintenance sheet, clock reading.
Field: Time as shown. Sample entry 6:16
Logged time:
9:27
